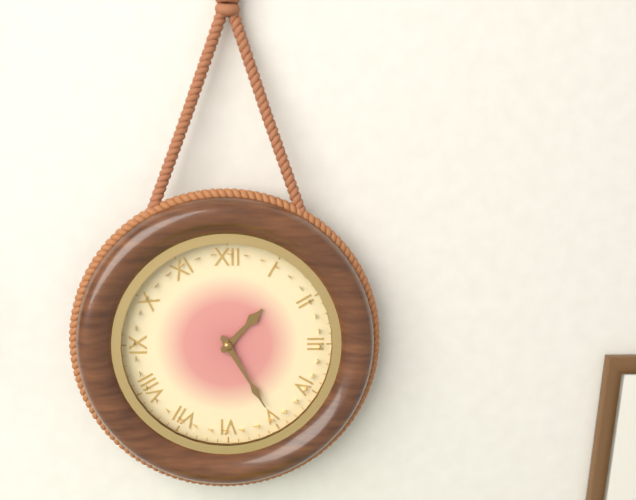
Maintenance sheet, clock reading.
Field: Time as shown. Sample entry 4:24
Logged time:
1:25
